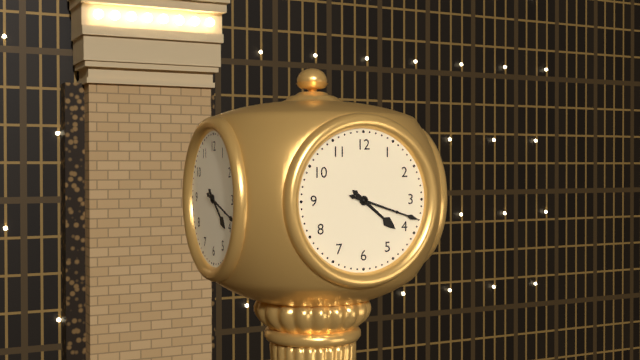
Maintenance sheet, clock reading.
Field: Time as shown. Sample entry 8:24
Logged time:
4:18
